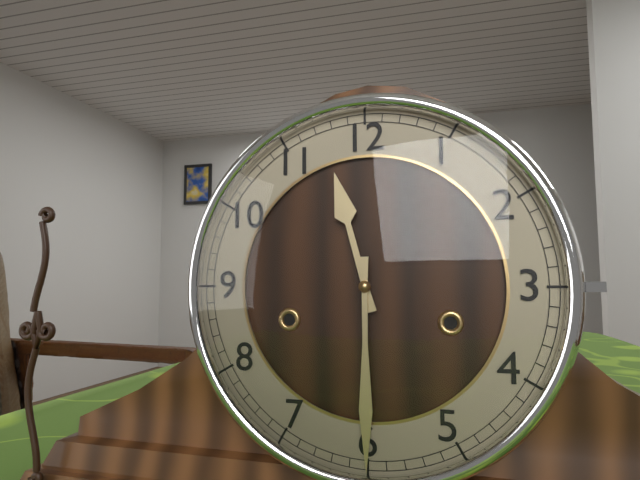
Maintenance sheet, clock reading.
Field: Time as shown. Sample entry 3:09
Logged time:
11:30
